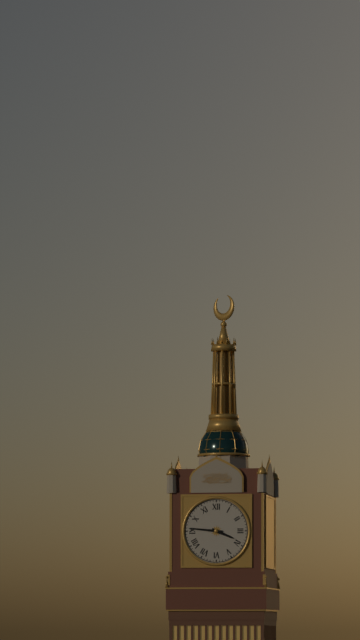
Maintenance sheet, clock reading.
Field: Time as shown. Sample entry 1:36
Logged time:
3:46
